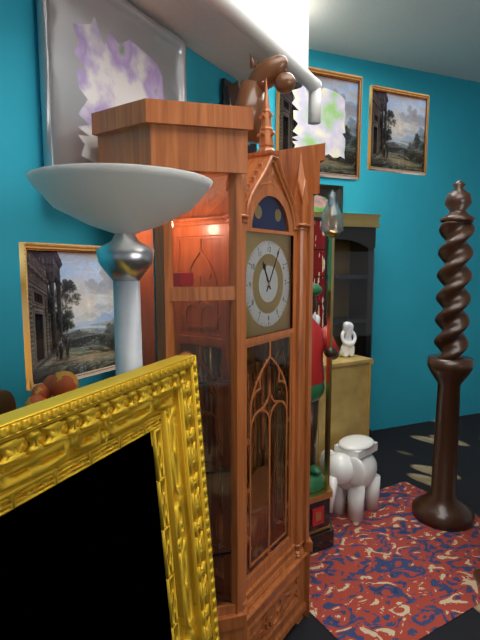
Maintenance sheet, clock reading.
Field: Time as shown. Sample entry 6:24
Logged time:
11:05
